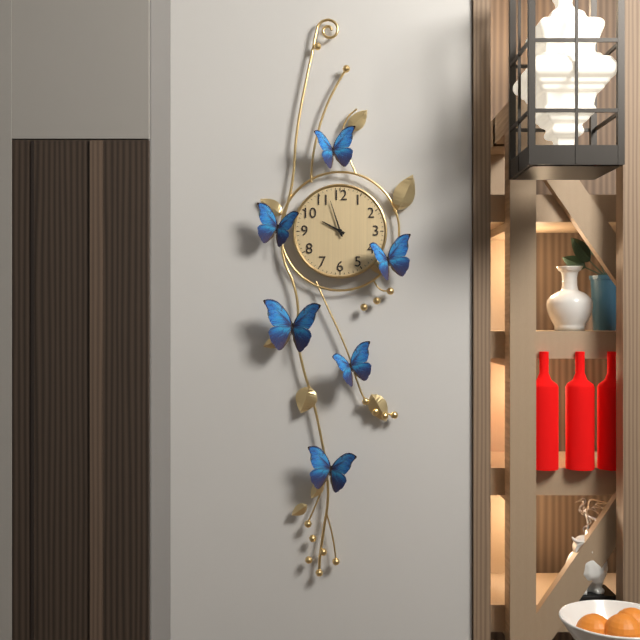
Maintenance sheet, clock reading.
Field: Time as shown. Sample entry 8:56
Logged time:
9:57
